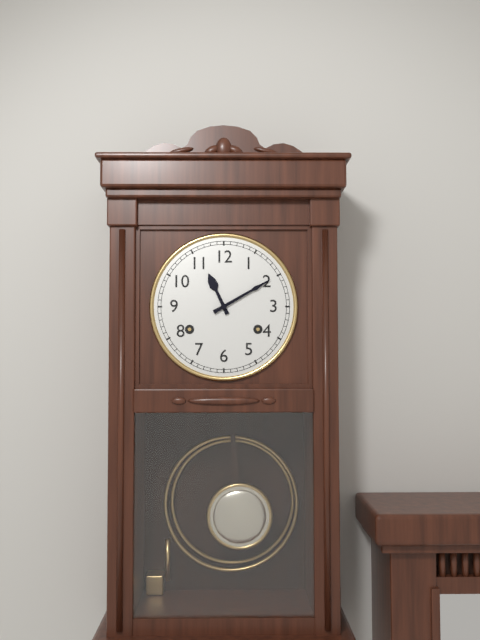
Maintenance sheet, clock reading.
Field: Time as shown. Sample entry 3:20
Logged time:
11:10
